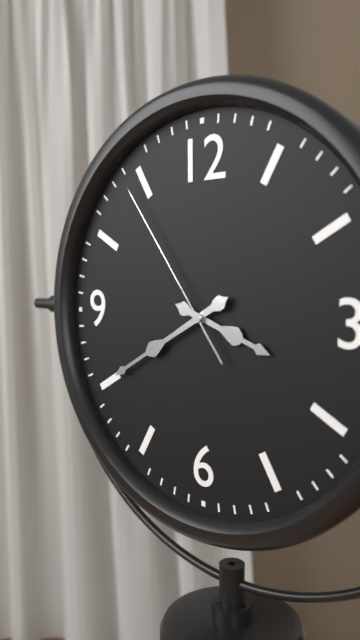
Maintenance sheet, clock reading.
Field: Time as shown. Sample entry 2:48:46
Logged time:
3:40:54
